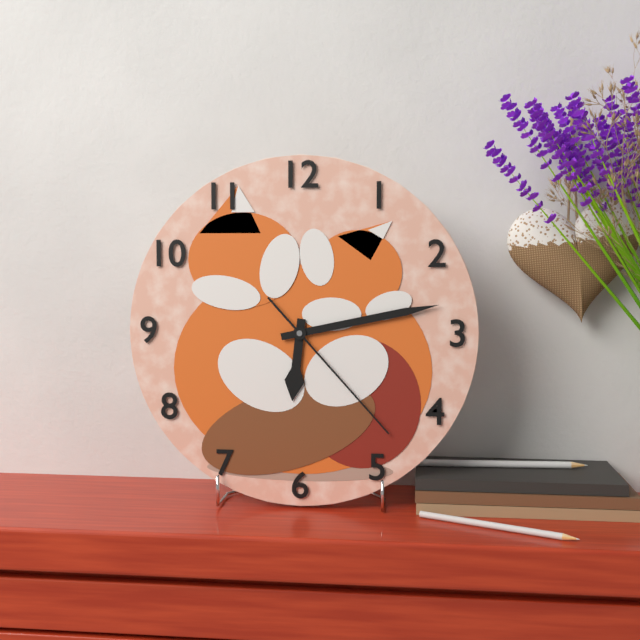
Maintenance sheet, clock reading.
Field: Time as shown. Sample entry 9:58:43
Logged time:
6:13:23
